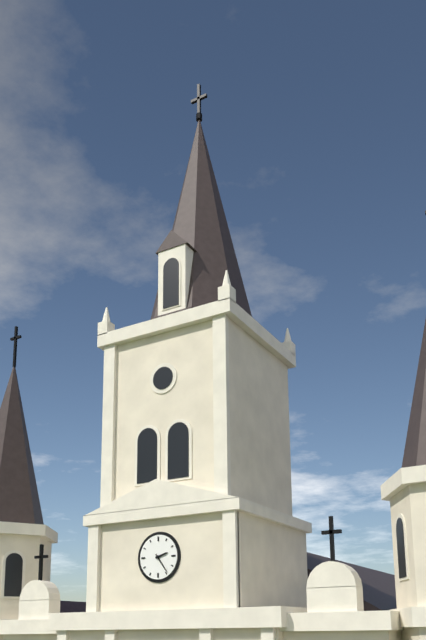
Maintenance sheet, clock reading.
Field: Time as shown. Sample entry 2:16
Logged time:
2:24
